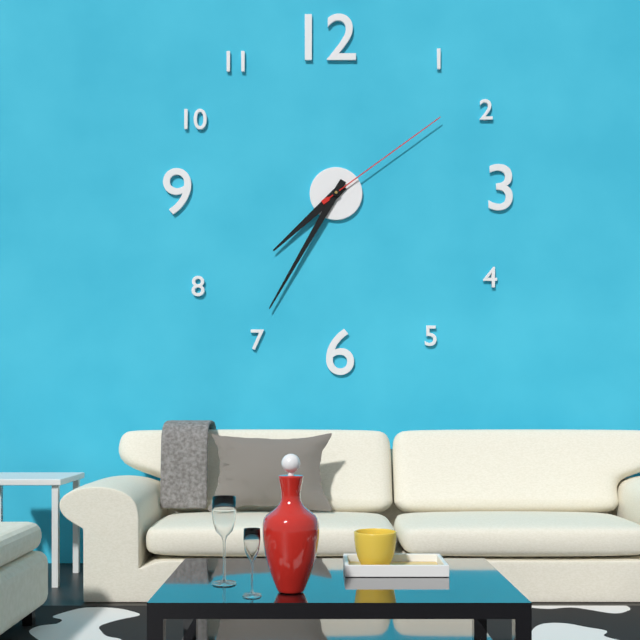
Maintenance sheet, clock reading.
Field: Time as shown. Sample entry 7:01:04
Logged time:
7:35:09
